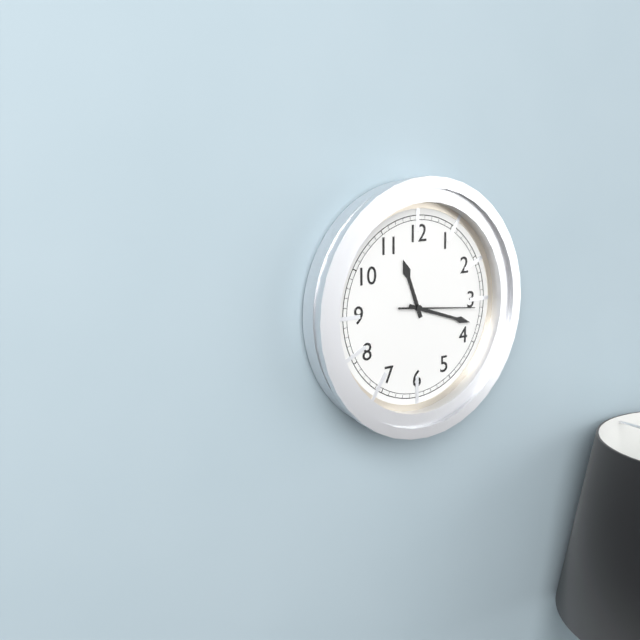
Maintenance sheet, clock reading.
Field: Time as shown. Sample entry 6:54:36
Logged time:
11:18:16
